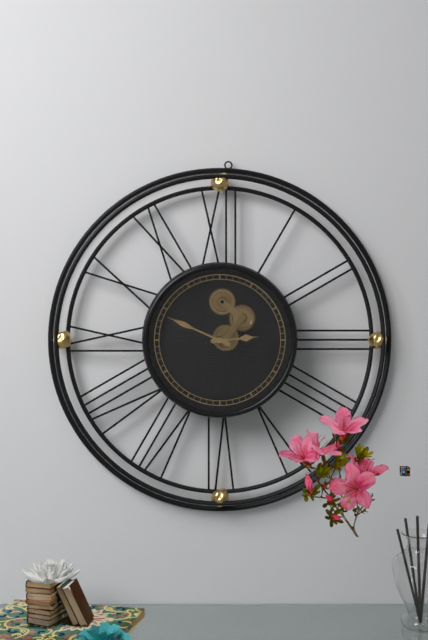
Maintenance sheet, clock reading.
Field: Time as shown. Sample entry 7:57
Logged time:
2:49
